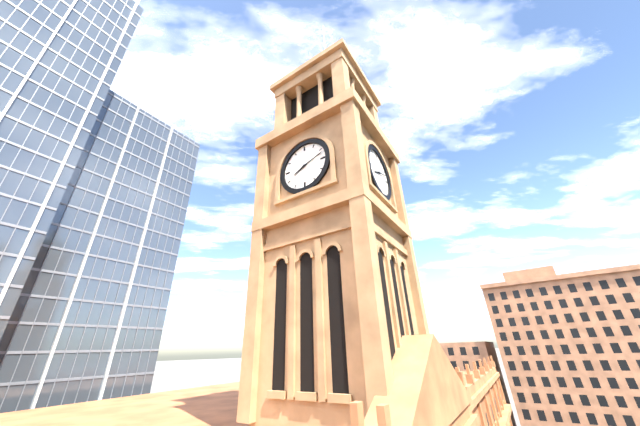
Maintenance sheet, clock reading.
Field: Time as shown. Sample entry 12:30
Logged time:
8:12
